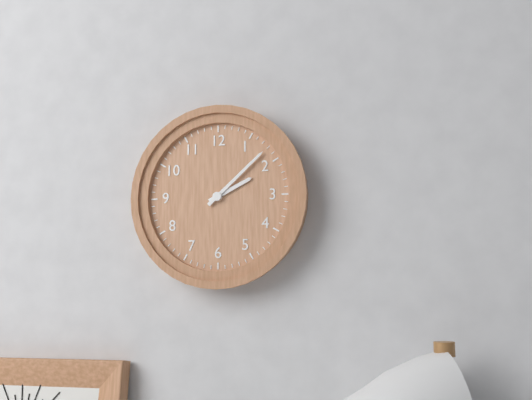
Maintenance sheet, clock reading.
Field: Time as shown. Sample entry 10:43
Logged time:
2:08
